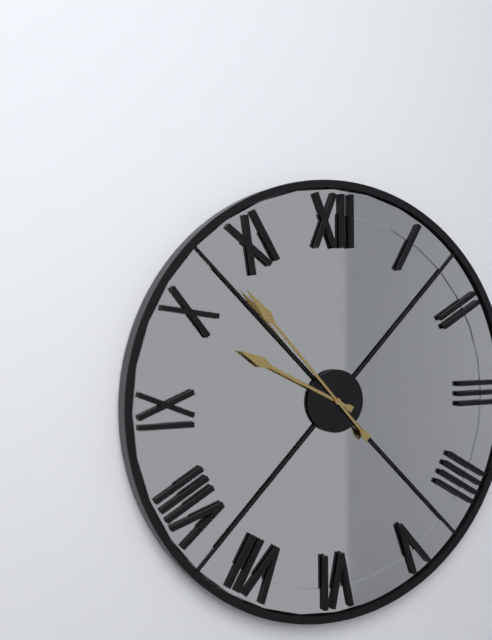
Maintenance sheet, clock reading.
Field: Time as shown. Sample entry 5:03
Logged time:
9:53
